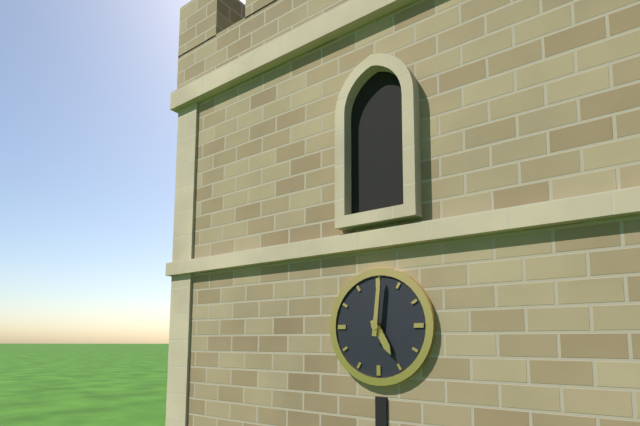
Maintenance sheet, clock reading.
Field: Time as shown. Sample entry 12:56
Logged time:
5:01
